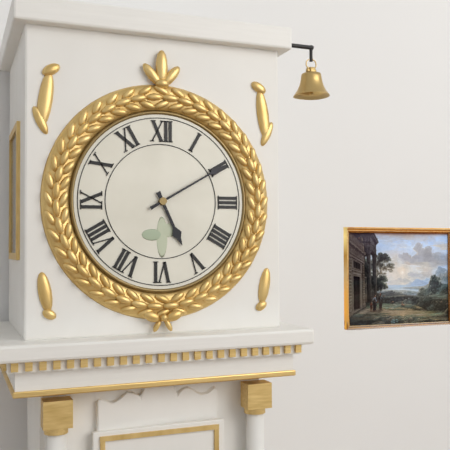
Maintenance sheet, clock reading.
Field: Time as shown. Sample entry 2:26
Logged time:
5:10
